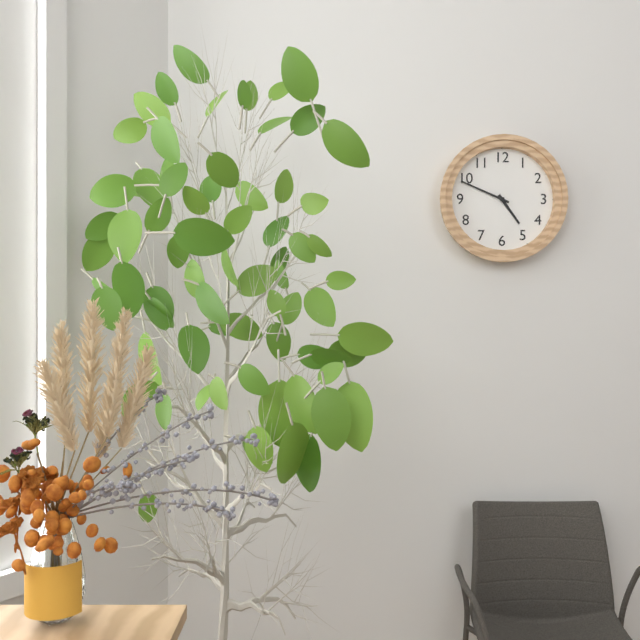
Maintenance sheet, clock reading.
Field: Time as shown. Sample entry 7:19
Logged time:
4:49
